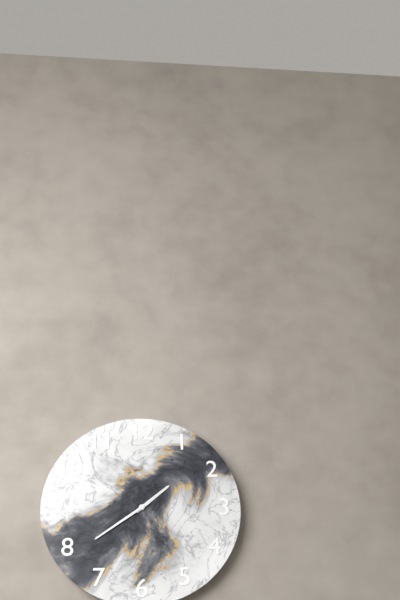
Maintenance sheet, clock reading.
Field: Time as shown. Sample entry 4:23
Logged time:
1:39
